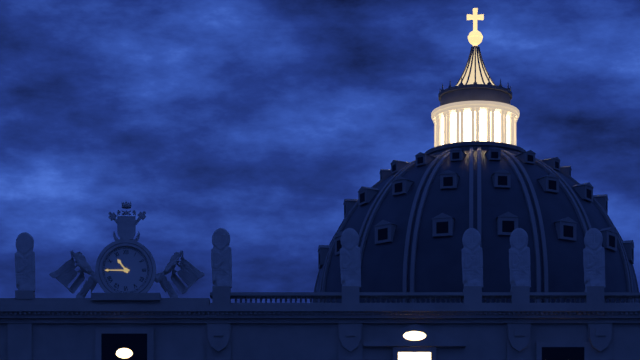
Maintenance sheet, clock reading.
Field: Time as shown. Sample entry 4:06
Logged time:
10:45
